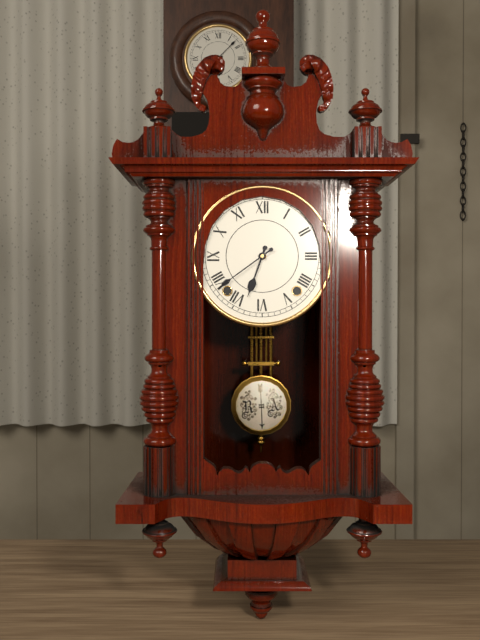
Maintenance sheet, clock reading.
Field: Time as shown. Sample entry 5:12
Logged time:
6:39
